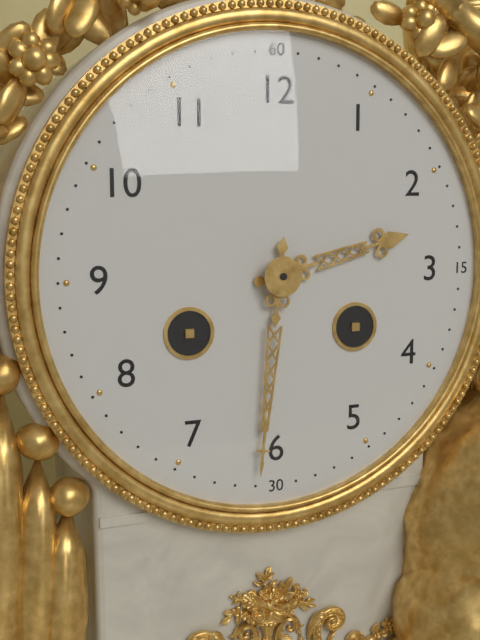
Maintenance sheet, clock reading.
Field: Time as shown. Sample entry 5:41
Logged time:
2:31
